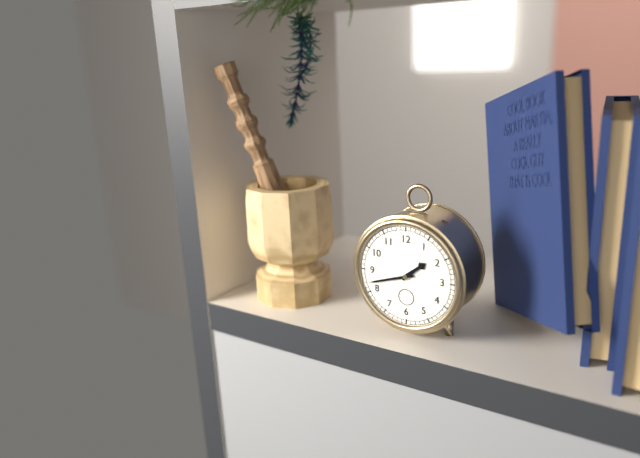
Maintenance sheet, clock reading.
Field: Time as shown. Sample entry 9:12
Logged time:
1:42
